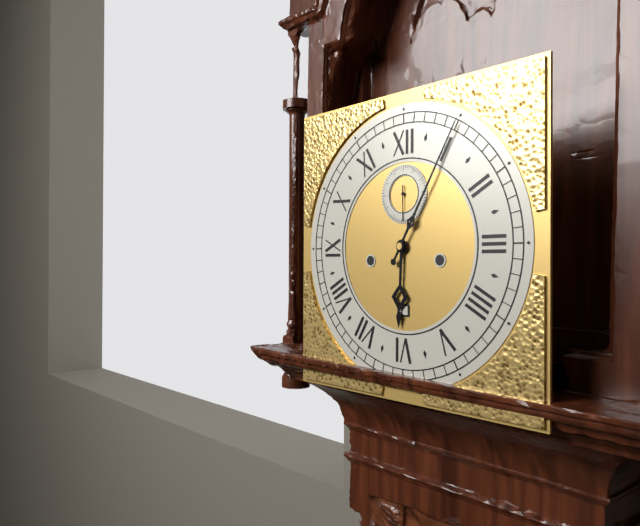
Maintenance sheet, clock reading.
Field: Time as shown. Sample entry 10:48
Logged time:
6:05
